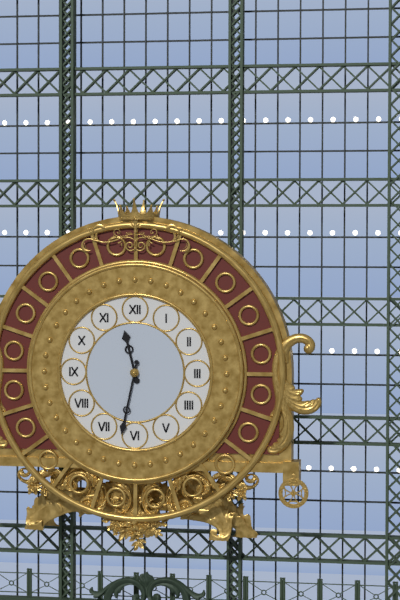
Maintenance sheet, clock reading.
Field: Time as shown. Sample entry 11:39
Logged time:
11:32
